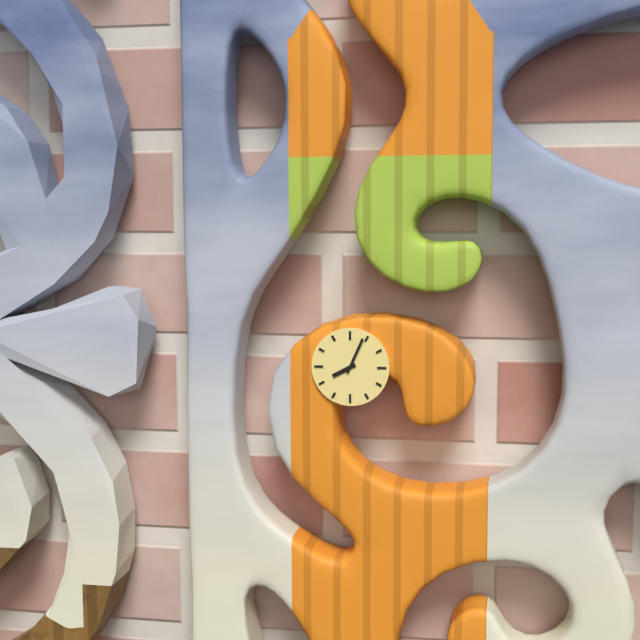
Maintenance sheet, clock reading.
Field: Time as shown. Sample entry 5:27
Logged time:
8:04
